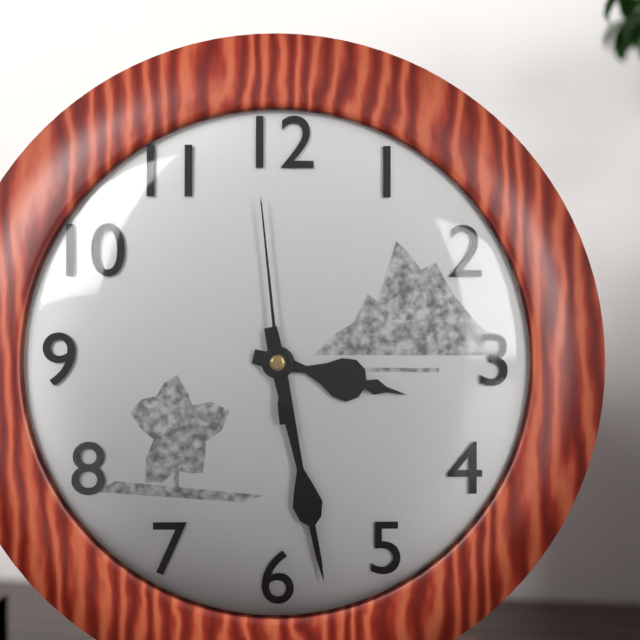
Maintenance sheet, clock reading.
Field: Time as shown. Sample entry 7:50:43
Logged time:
3:28:59
